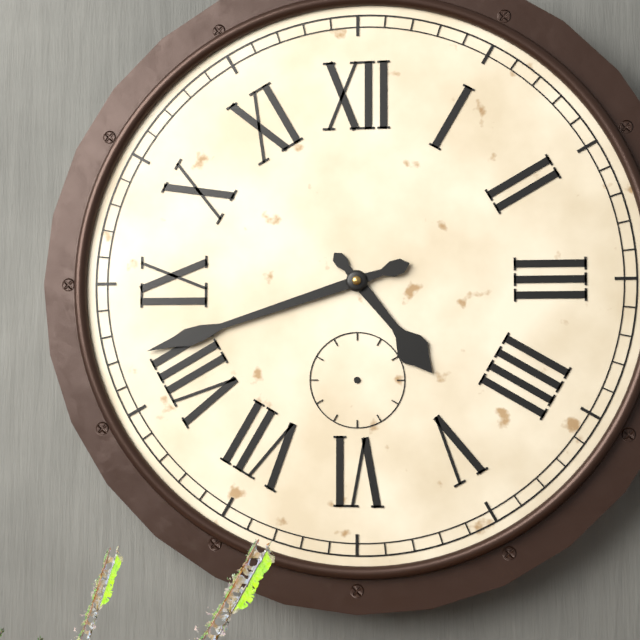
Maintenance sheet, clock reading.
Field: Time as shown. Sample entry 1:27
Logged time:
4:42
